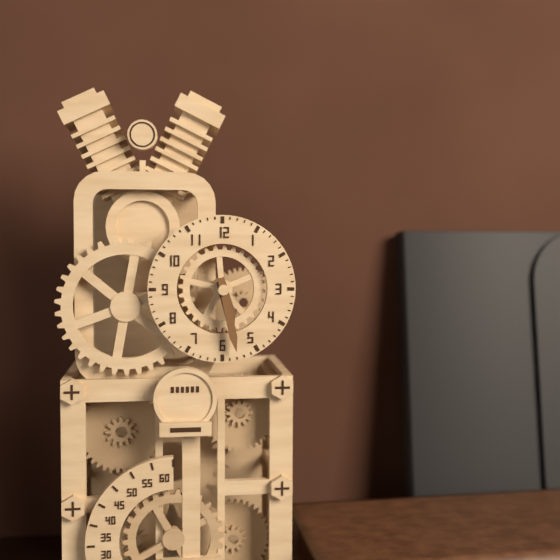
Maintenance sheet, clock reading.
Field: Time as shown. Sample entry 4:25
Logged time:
5:28
